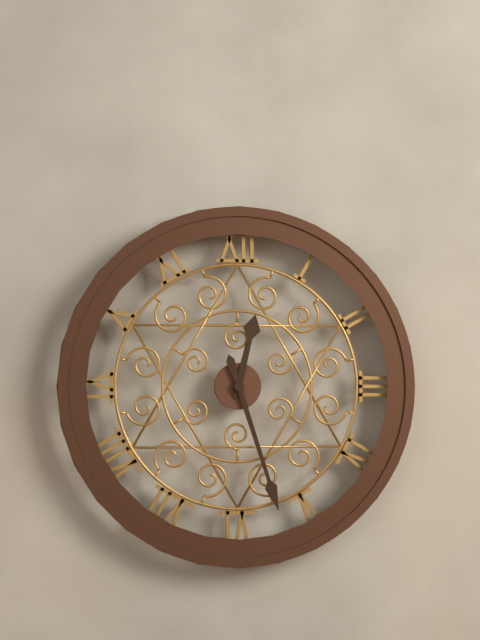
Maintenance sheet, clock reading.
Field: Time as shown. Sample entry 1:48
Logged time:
12:27
